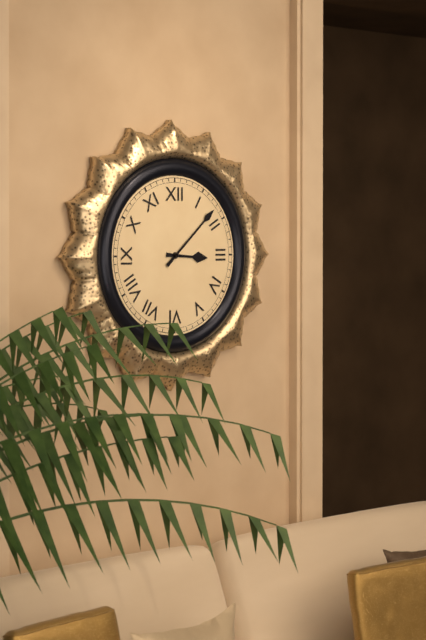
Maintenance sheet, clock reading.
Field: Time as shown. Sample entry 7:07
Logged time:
3:08
